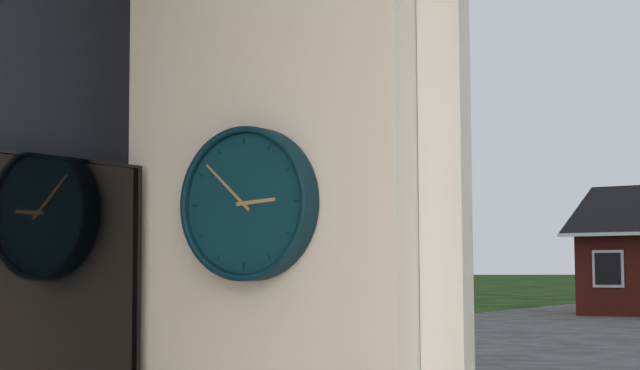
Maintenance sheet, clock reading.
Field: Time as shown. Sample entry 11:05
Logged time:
2:52
